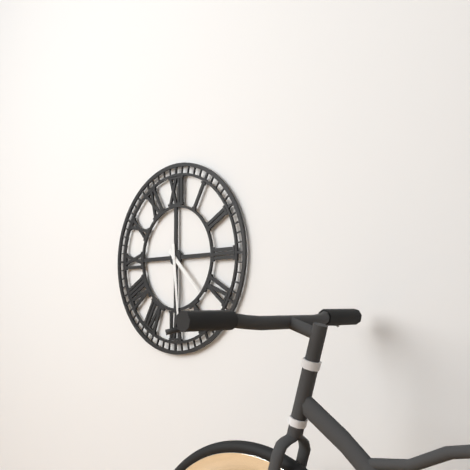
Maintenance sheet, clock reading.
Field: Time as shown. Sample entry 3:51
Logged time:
4:29
